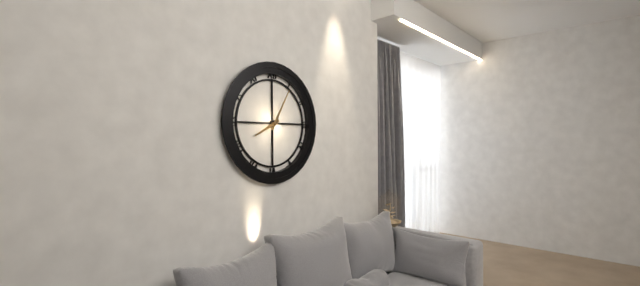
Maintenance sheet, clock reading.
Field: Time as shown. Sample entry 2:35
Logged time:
8:05
